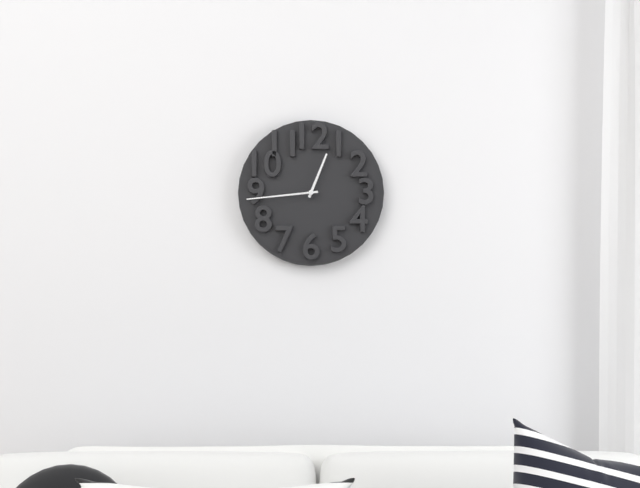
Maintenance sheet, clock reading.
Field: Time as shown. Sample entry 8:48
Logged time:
12:44
